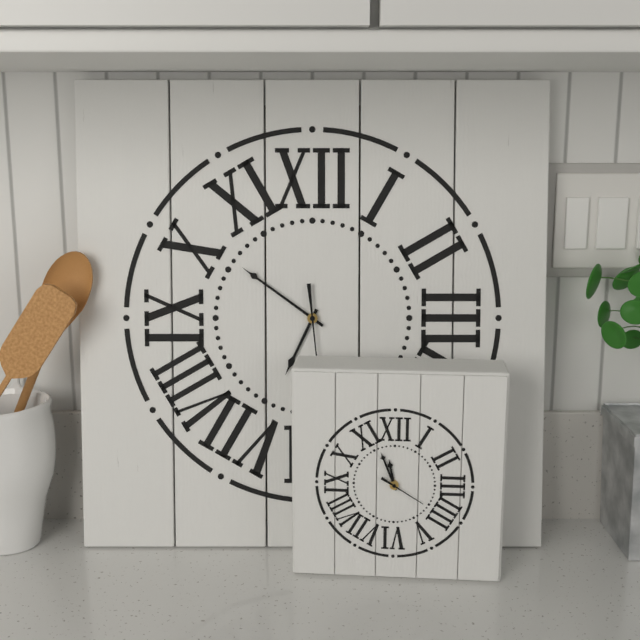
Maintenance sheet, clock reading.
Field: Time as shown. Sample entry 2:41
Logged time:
6:51
